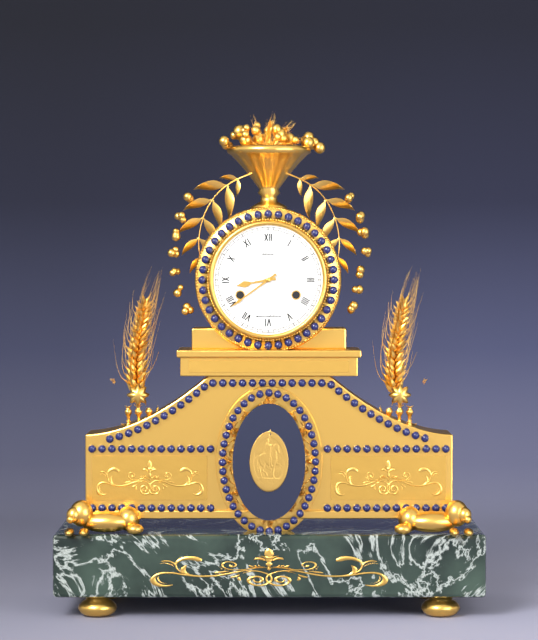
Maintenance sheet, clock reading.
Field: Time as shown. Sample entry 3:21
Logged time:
8:39
